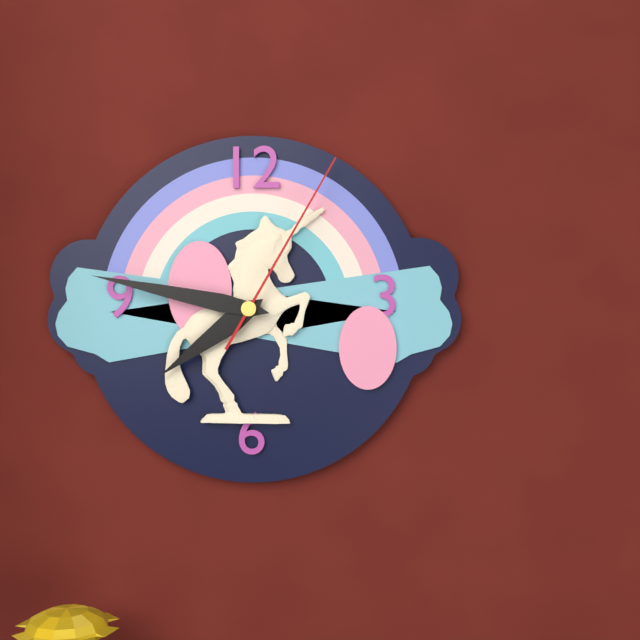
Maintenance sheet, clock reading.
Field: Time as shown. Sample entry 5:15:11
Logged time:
7:47:05
